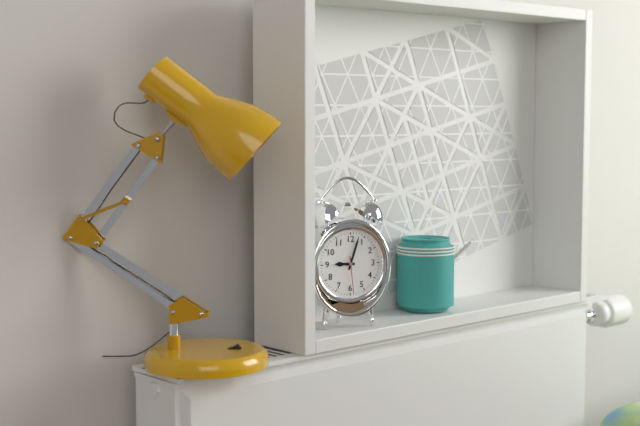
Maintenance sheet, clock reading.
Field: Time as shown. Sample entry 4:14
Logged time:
9:03
